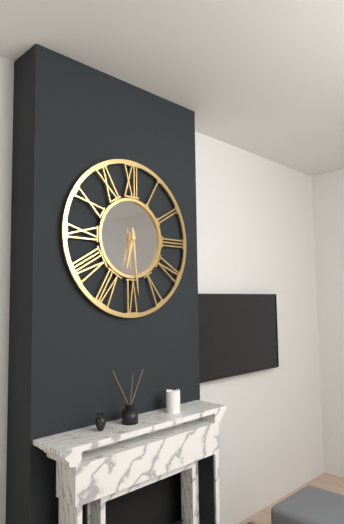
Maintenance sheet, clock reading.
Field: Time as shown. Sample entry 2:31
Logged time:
6:29
